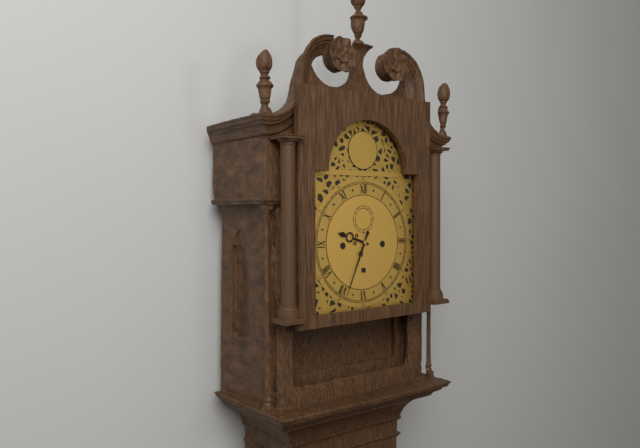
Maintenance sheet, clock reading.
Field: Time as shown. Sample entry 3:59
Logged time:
9:34
